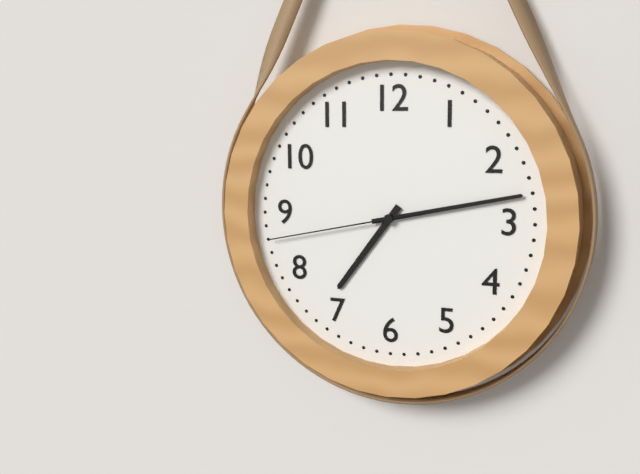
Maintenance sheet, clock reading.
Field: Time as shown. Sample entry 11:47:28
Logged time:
7:13:43
